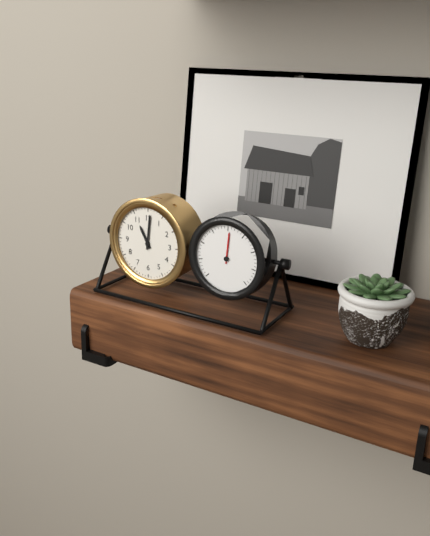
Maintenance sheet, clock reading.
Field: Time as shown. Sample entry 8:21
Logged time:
11:01
